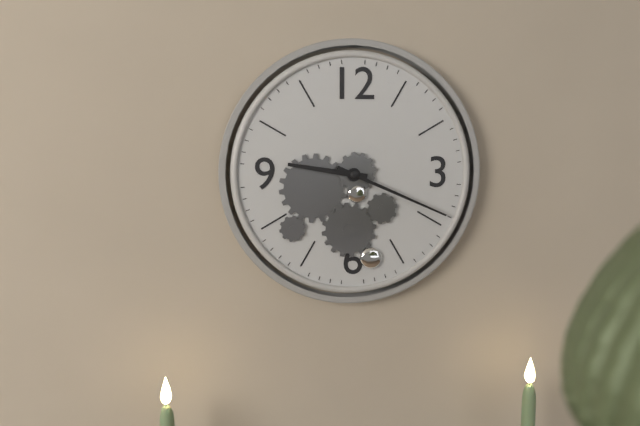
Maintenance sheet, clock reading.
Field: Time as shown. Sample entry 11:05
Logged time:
9:19
